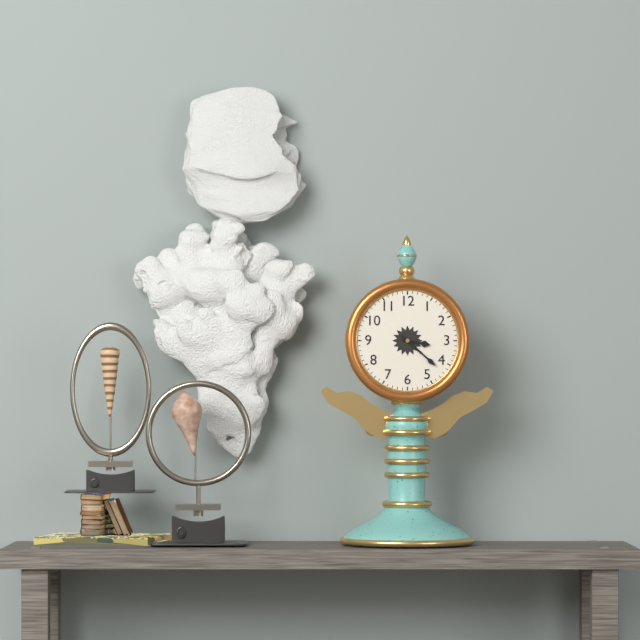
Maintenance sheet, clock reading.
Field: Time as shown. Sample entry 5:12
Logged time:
3:22
